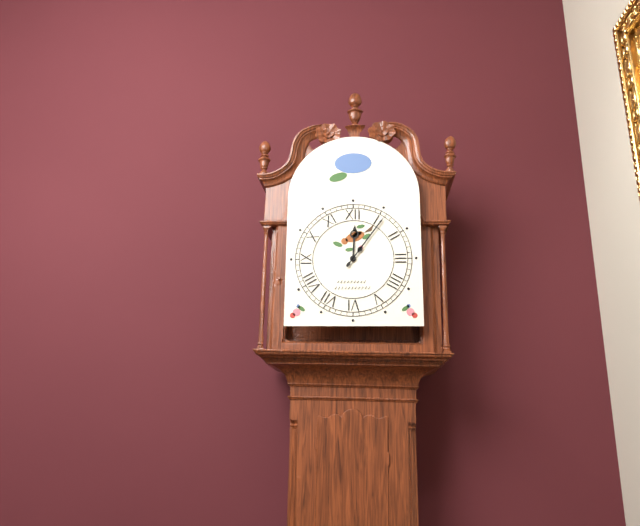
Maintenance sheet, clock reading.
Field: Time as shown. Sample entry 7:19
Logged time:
12:06
